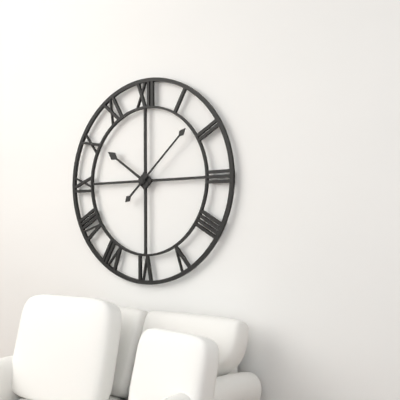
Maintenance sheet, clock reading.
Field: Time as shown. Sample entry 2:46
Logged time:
10:08
